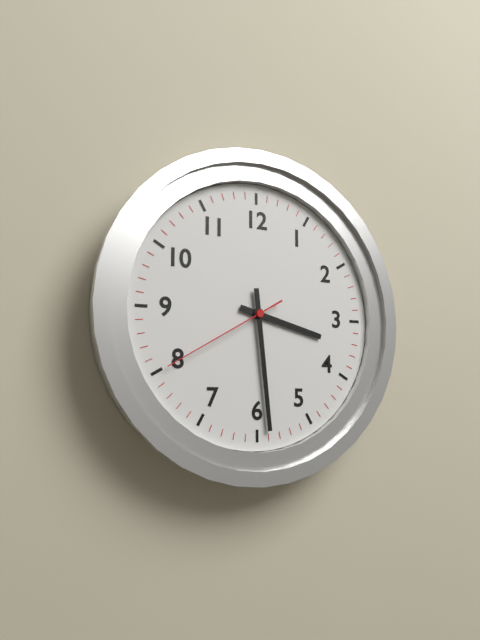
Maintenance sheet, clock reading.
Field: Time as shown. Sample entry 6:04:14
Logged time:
3:29:40
